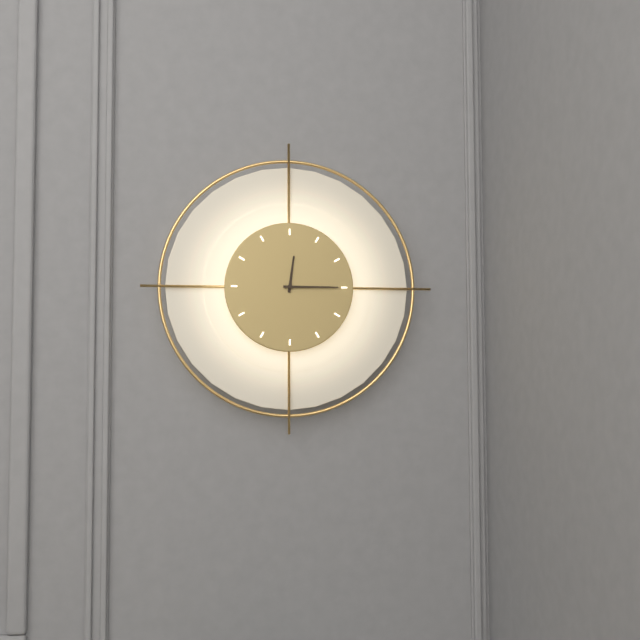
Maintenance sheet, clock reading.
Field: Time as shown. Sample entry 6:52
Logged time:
12:15
